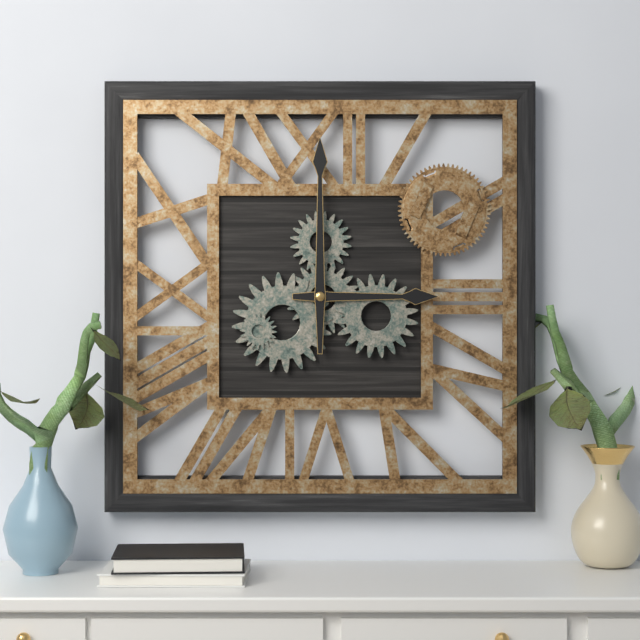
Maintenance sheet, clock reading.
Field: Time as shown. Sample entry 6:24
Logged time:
3:00
